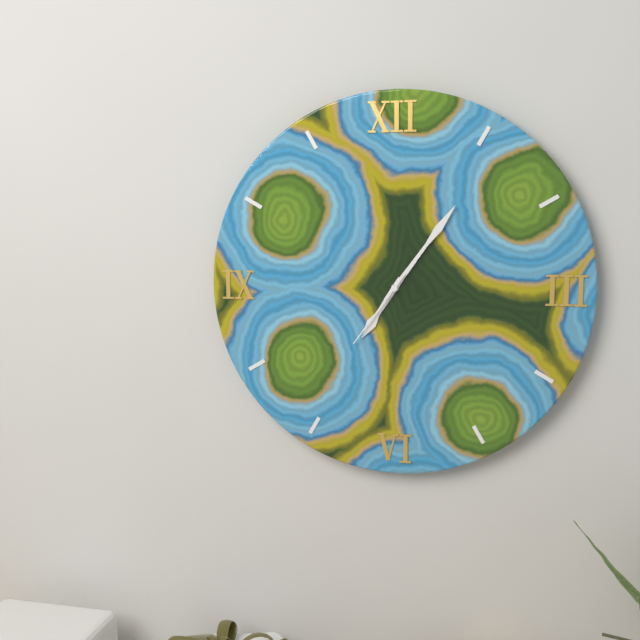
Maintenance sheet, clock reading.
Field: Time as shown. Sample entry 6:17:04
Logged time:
7:06:36
